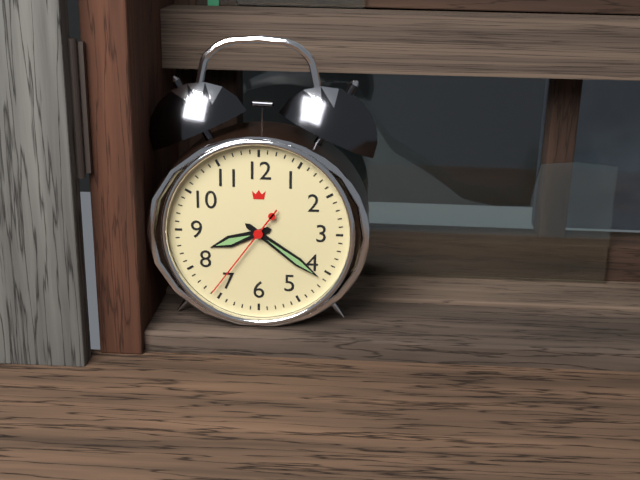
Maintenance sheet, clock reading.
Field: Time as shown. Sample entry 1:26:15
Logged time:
8:21:36
